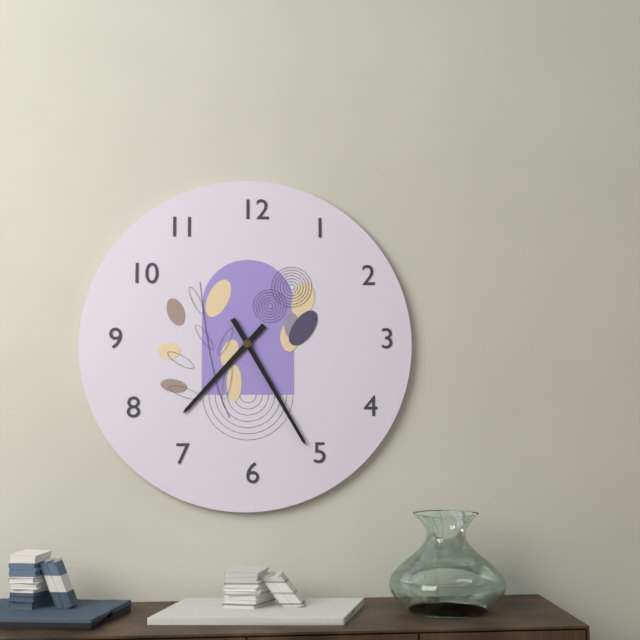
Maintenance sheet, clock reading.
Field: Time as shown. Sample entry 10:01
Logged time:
7:25
